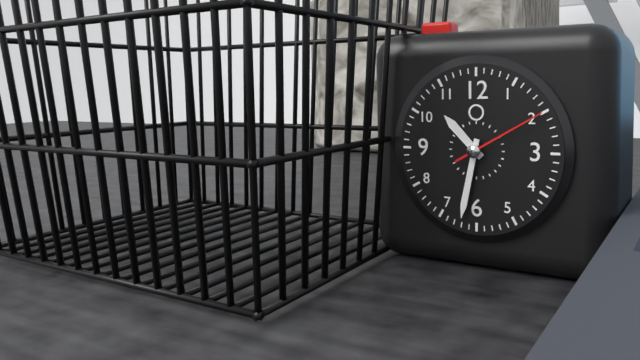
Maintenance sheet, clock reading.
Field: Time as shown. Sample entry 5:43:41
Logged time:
10:32:10
